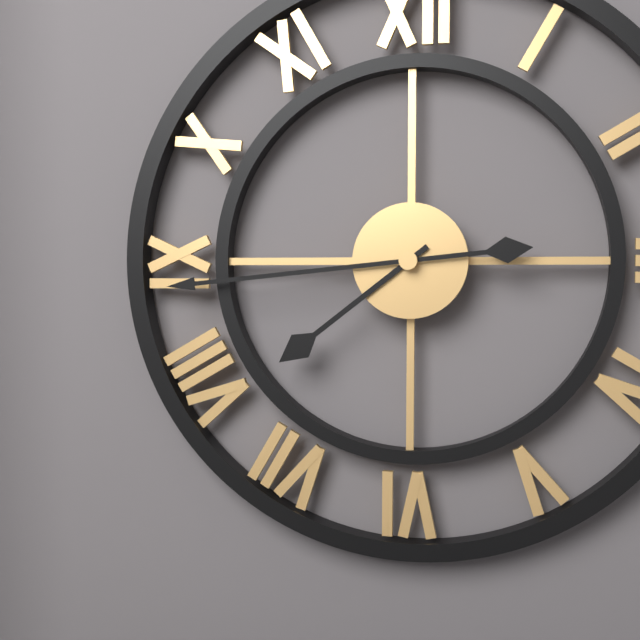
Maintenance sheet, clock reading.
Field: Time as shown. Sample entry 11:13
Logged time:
7:44
